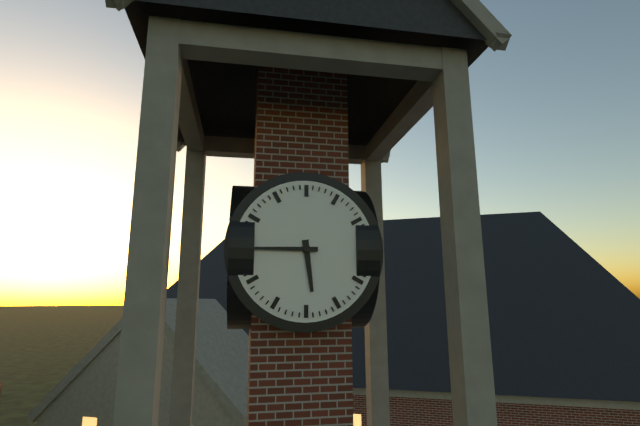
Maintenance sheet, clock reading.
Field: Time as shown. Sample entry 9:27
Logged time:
5:45
